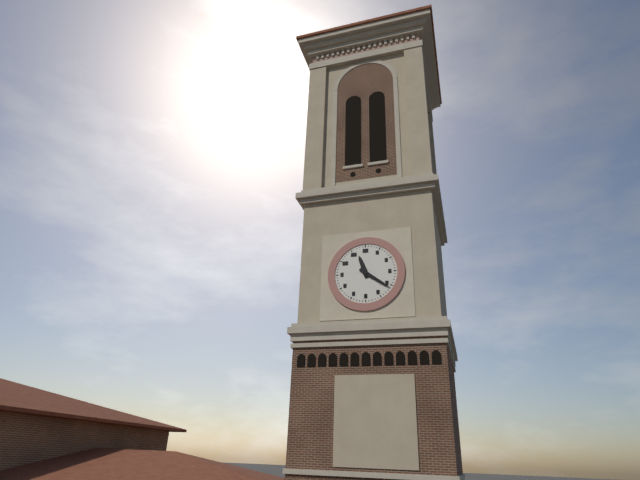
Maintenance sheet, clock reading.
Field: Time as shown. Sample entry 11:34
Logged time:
11:21
